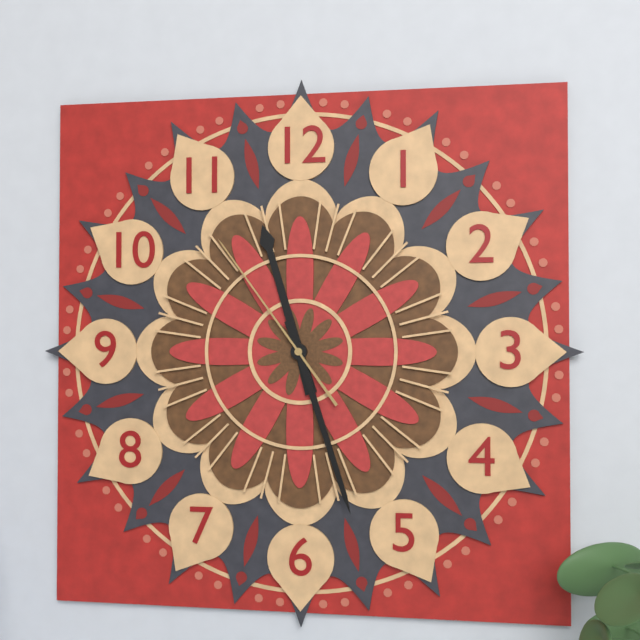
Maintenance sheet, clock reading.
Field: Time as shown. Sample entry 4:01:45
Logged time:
11:27:54
